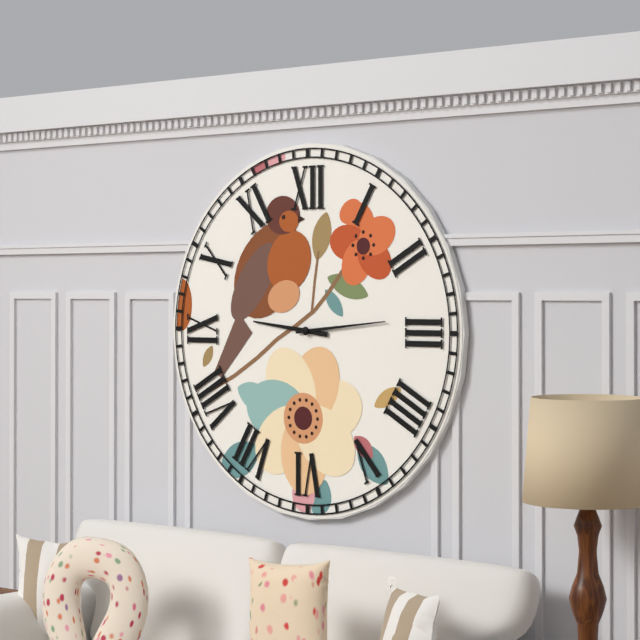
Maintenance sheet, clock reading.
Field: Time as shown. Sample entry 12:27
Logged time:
9:14
